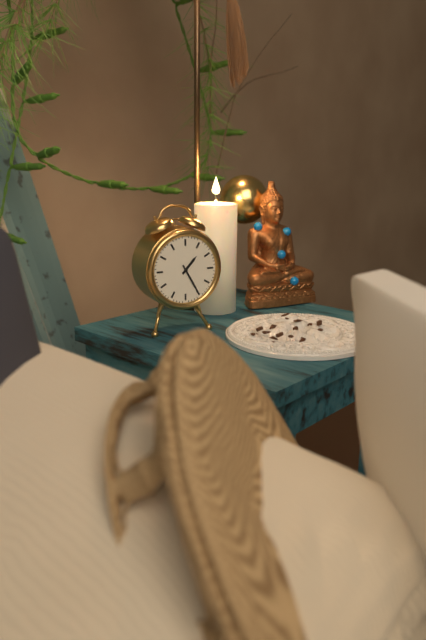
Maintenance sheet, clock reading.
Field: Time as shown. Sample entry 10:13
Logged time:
1:25
